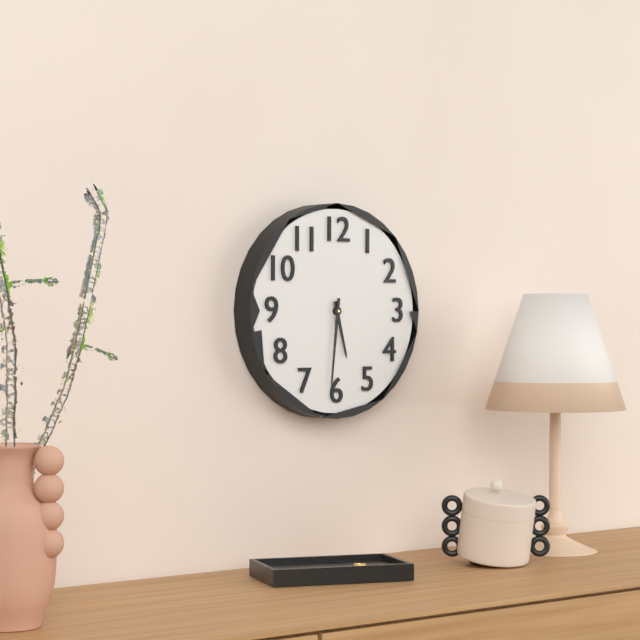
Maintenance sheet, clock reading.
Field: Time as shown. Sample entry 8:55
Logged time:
5:31
